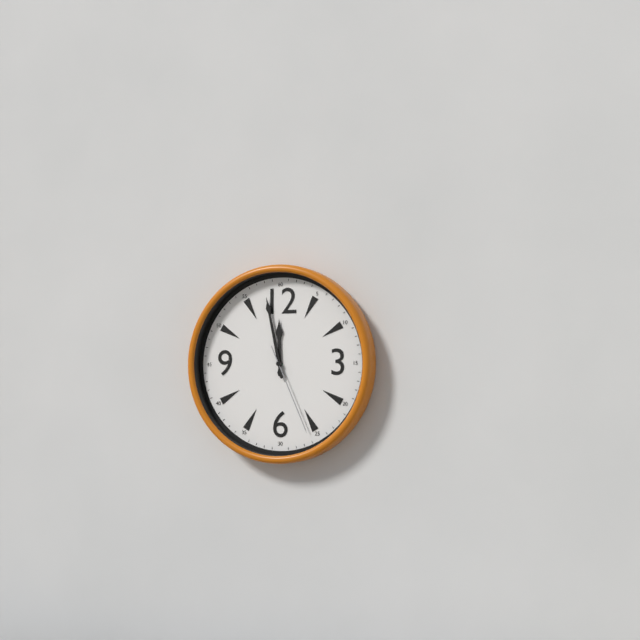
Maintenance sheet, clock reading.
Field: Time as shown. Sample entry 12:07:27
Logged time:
11:58:26
